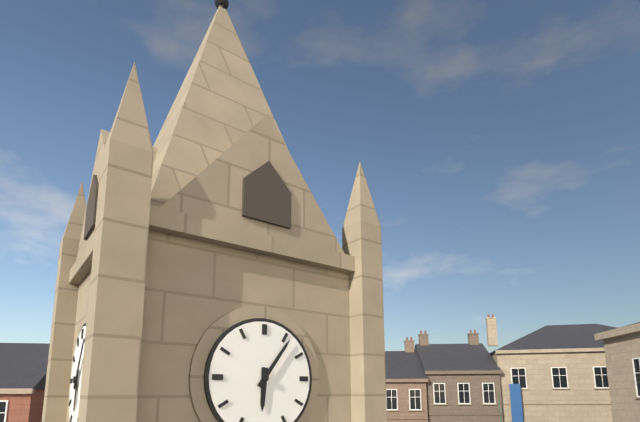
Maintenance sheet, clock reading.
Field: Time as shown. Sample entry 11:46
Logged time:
6:06
